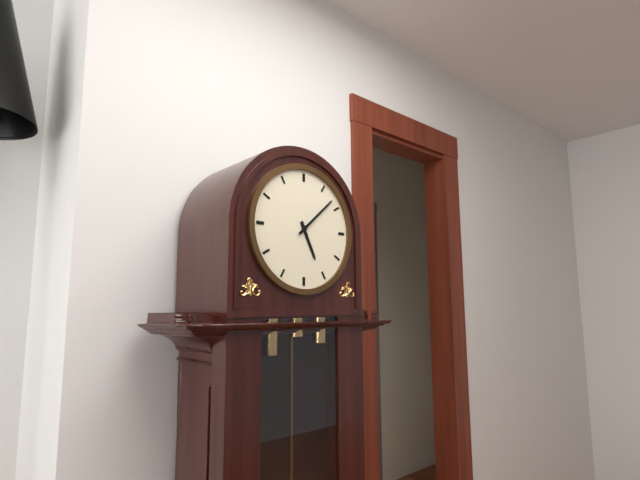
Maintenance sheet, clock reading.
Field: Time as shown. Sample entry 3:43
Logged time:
5:08
